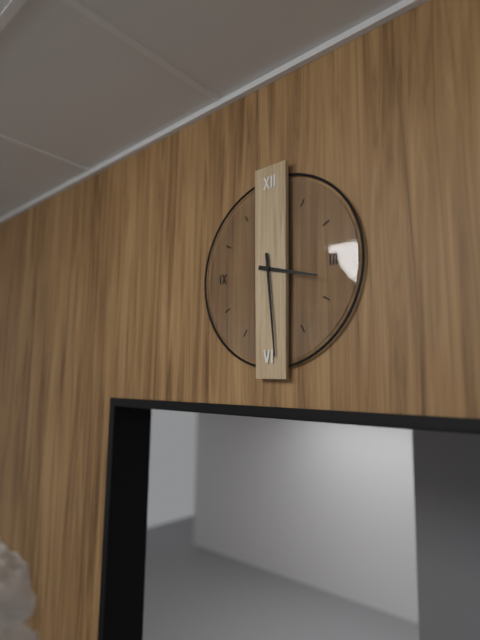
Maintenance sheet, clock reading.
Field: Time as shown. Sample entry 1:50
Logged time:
3:29
